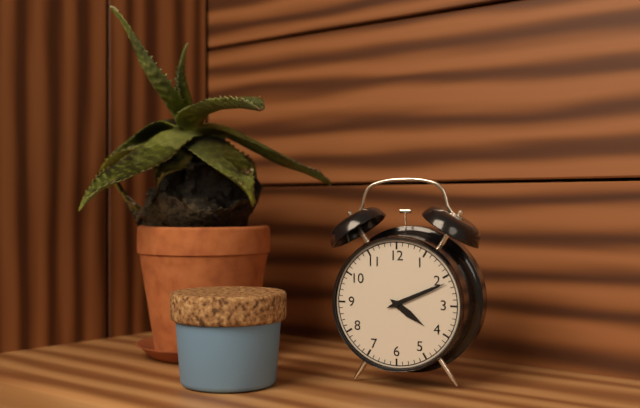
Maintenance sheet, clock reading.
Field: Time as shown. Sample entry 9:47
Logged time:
4:11
